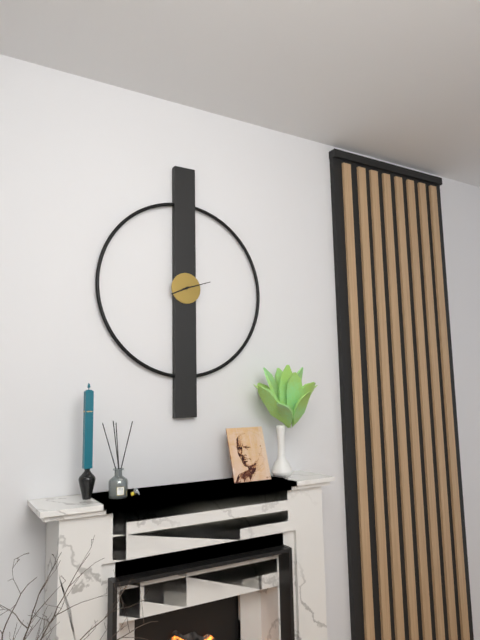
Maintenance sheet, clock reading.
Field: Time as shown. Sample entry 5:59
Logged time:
8:12
